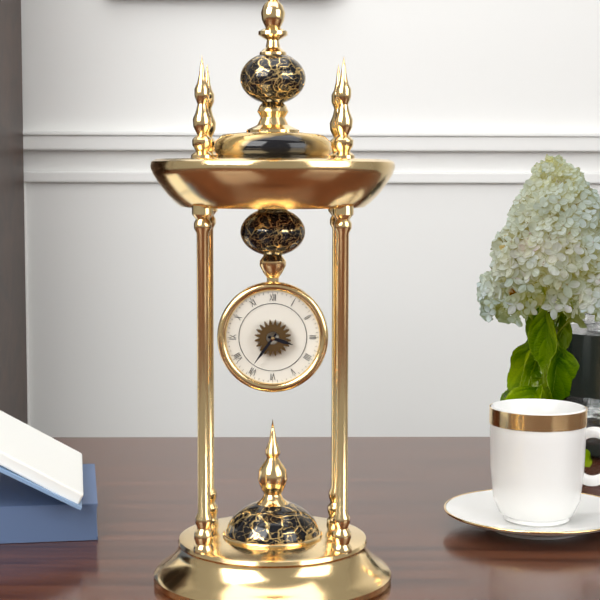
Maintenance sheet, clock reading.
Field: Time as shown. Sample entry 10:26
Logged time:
3:36
